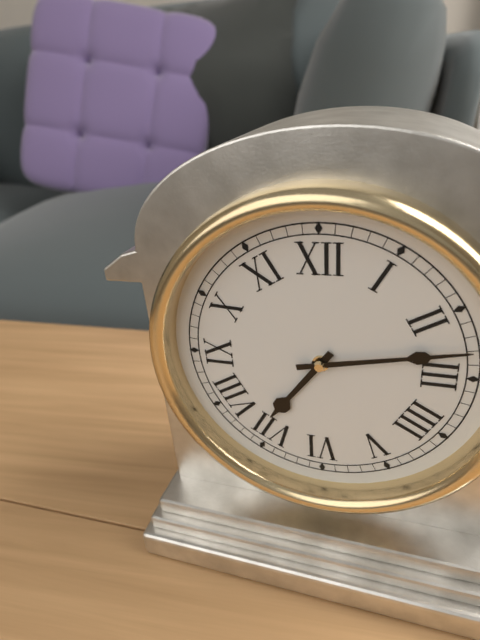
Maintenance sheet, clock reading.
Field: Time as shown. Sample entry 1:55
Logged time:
7:13
